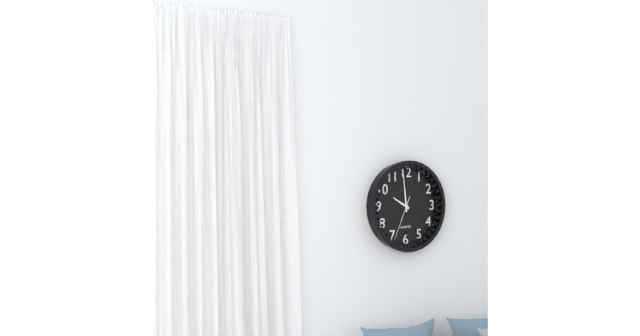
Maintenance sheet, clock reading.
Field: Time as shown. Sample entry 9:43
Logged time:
9:59
